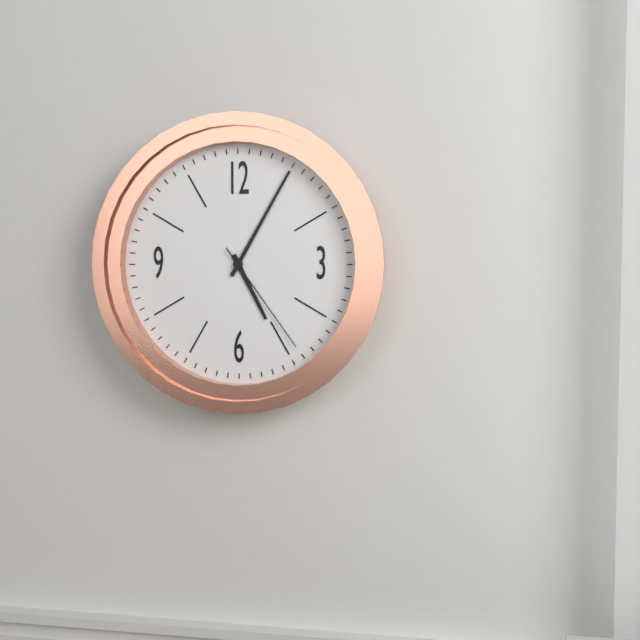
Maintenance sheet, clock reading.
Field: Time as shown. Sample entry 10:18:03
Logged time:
5:05:24
